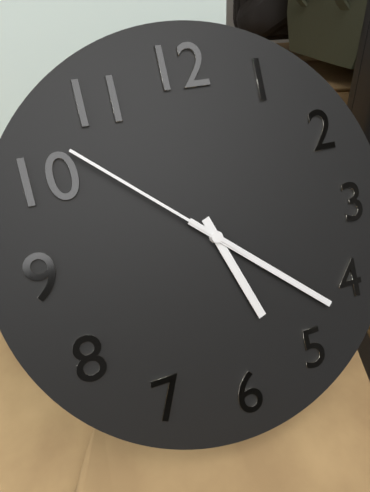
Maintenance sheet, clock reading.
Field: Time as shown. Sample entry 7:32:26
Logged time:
5:22:52
